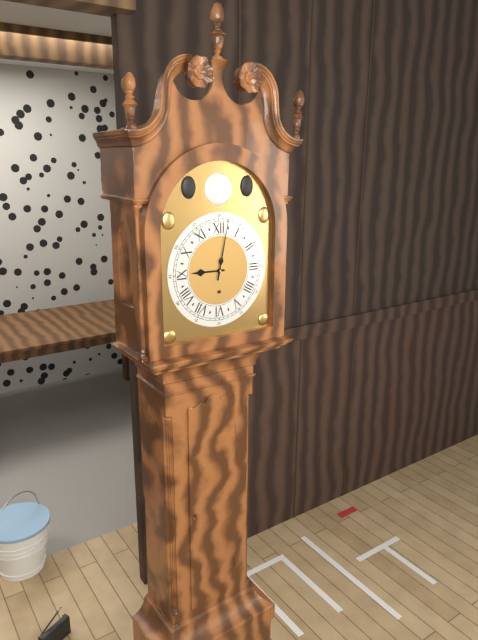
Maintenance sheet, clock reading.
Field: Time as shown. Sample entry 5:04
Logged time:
9:02
